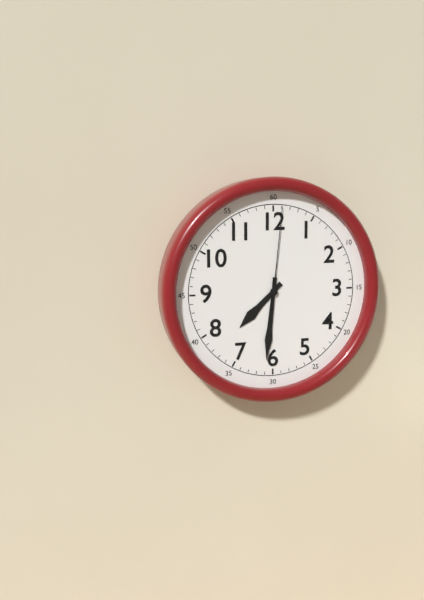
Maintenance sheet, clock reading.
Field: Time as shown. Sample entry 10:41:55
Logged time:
7:31:01
